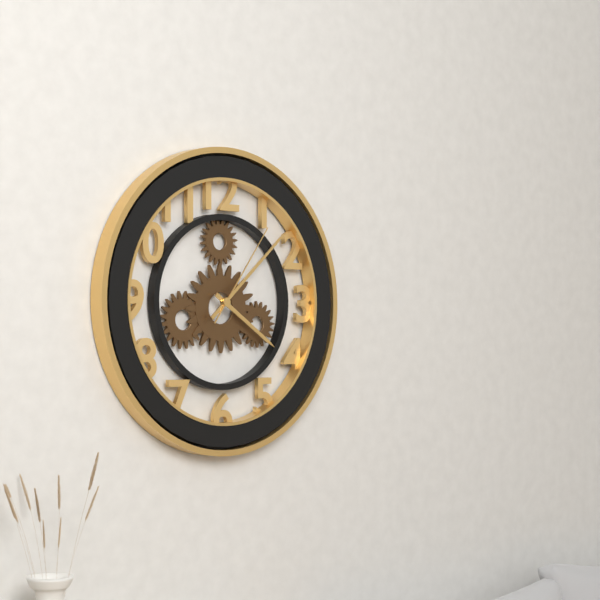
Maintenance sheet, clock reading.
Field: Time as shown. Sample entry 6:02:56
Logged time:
4:08:06
